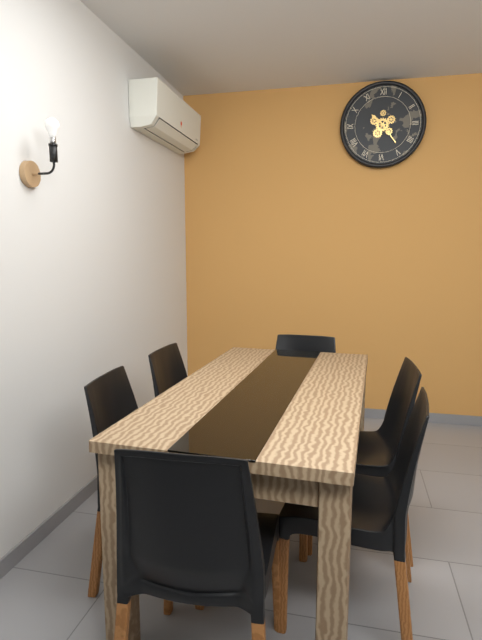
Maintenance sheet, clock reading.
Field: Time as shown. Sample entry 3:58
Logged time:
10:24
